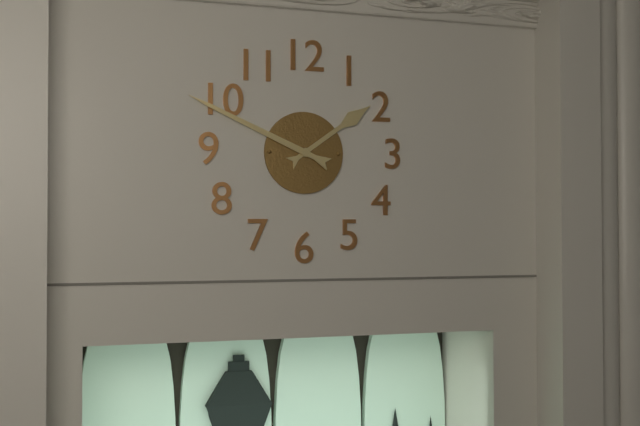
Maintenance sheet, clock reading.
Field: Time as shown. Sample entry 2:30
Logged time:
1:49
